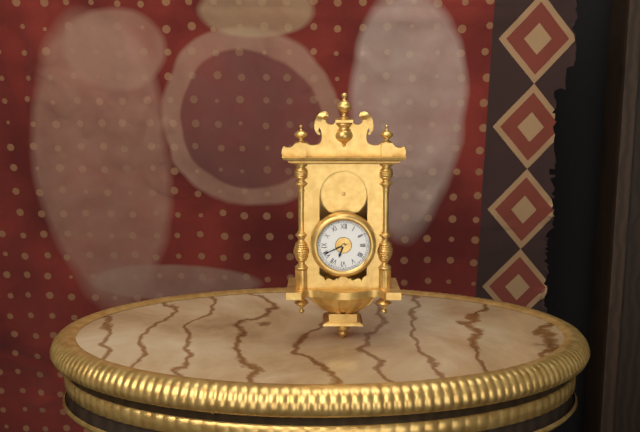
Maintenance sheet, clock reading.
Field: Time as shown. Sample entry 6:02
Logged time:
6:41
